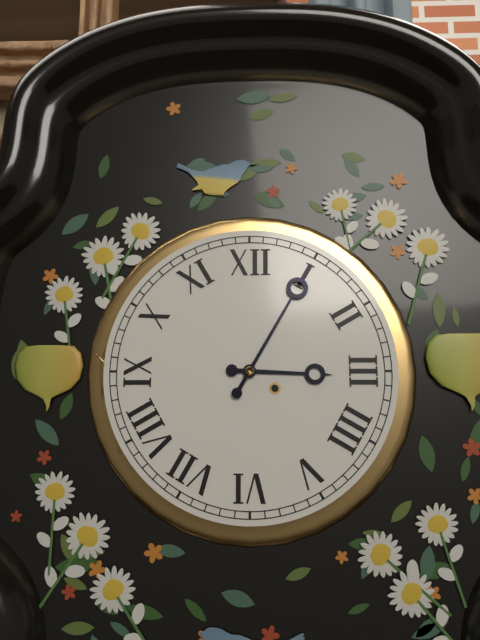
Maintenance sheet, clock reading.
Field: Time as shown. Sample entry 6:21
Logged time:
3:05
